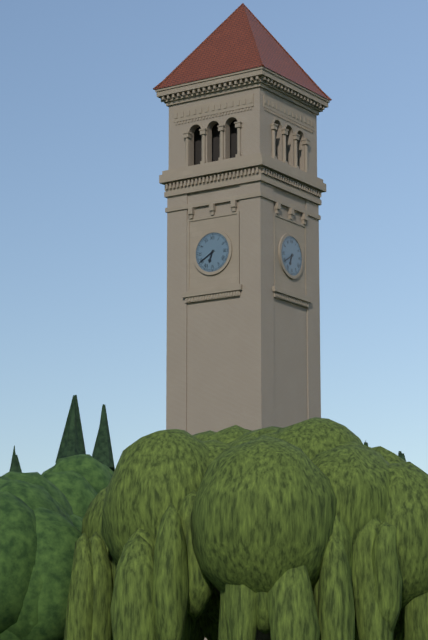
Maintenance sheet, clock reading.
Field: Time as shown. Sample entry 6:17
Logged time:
6:40
